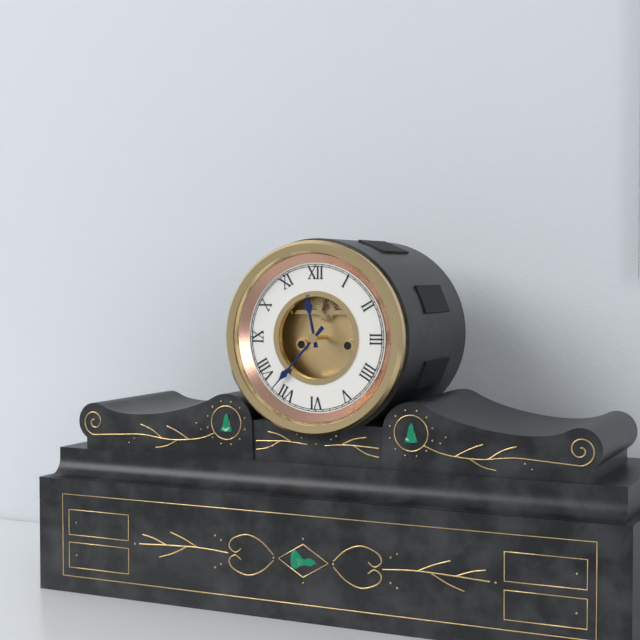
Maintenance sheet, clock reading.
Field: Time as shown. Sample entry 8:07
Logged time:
11:37
